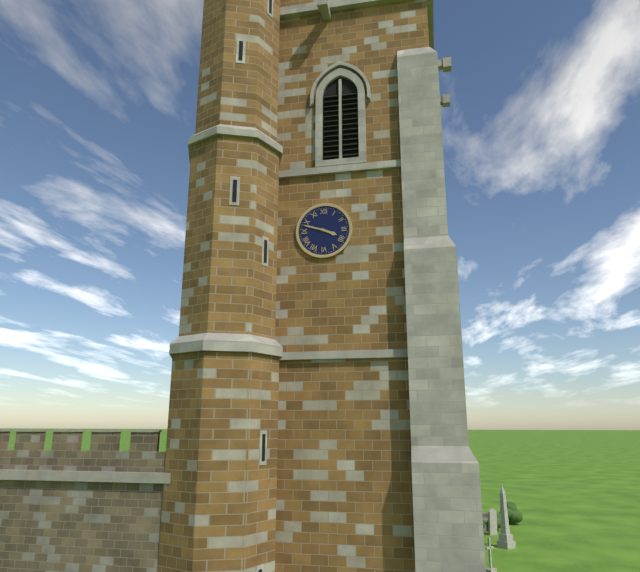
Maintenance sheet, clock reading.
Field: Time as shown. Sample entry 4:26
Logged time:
3:48
